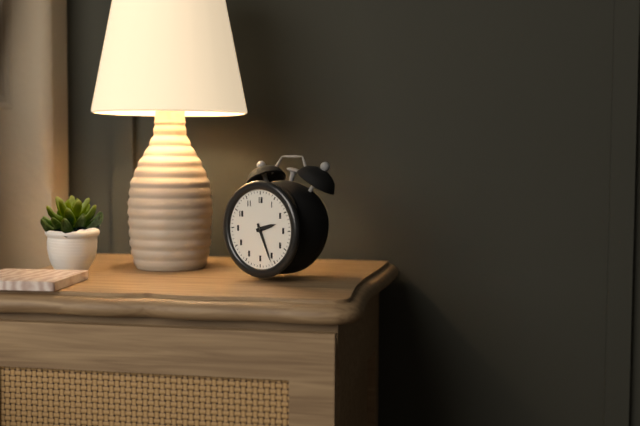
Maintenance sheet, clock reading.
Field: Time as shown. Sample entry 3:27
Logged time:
2:26
